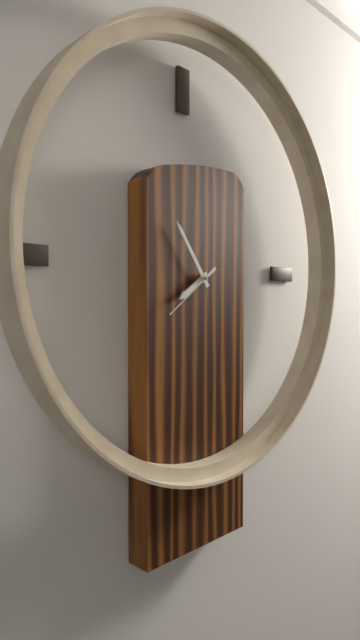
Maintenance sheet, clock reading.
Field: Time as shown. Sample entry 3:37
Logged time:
7:54
